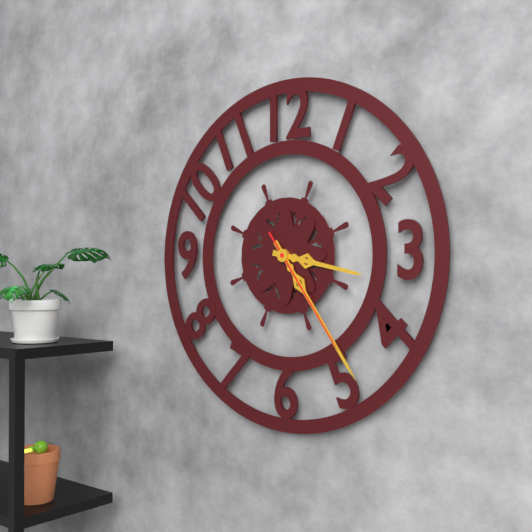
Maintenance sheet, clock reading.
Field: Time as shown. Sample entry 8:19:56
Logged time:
3:24:24
